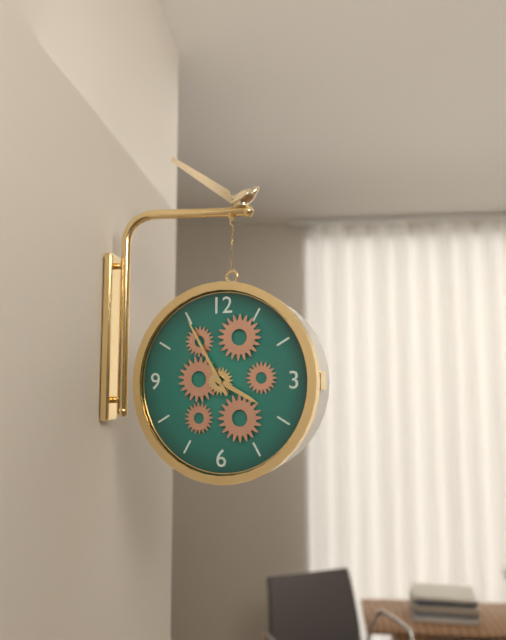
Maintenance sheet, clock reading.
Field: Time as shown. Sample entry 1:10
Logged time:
3:55
